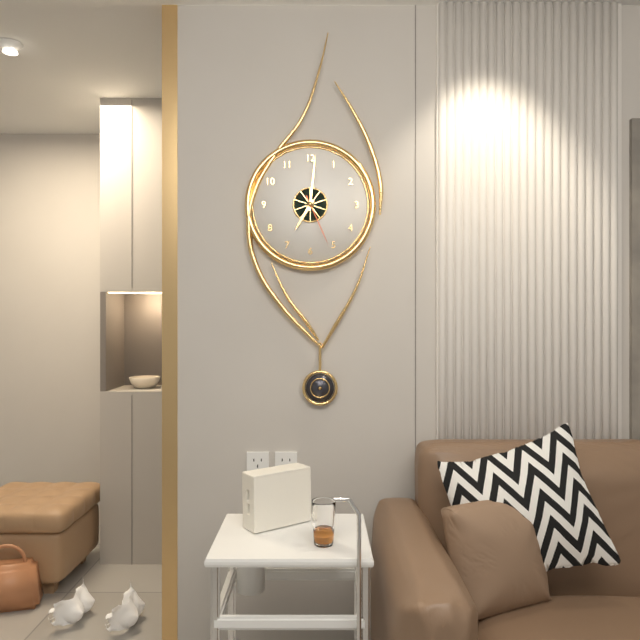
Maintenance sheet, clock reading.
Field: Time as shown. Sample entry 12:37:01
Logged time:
7:01:26
